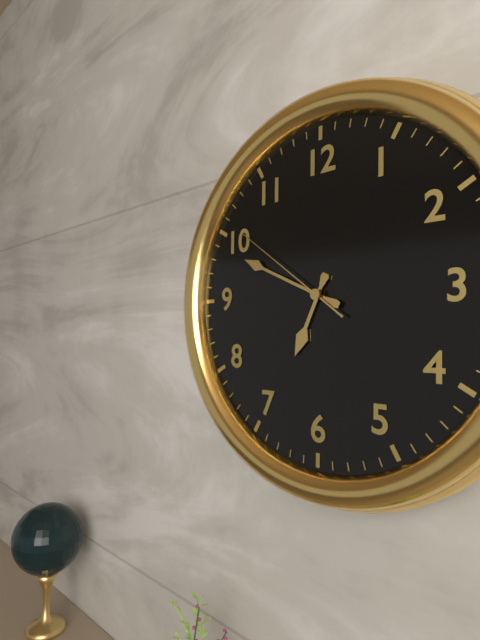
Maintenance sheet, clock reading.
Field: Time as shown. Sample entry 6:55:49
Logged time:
6:49:51
